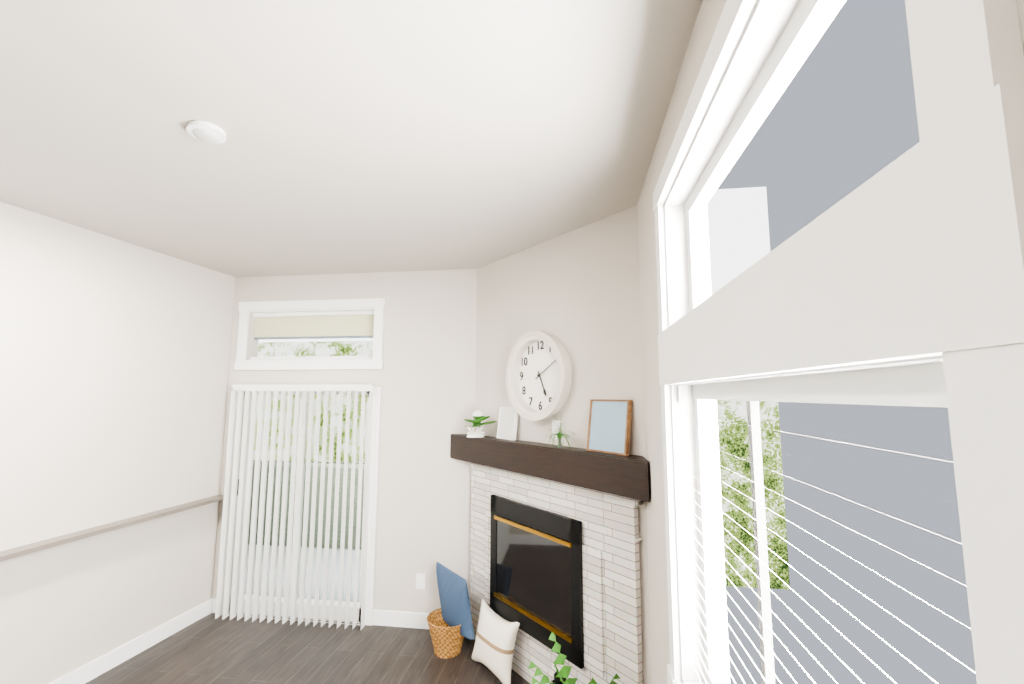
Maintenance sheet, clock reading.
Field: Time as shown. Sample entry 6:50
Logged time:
5:10
